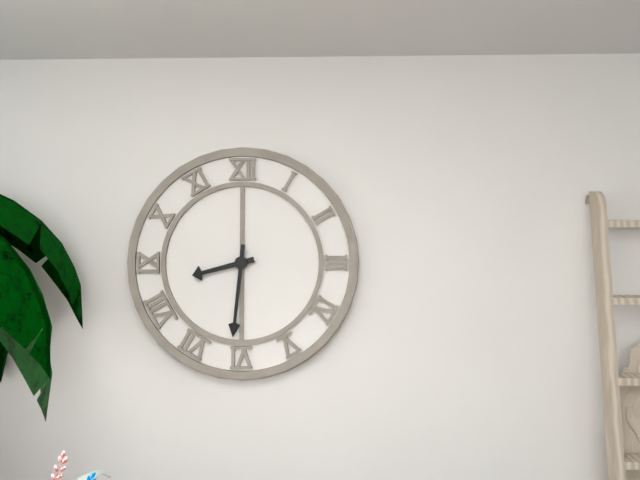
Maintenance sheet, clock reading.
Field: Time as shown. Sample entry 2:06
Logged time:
8:31
